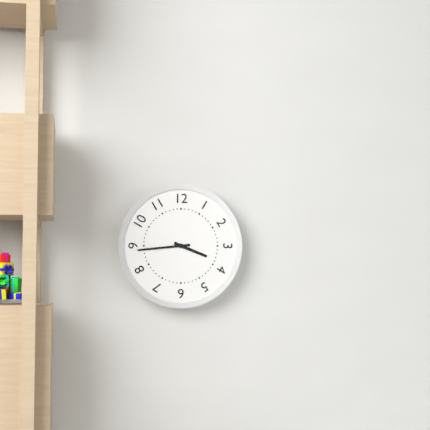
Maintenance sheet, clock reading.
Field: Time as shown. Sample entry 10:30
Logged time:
3:44
